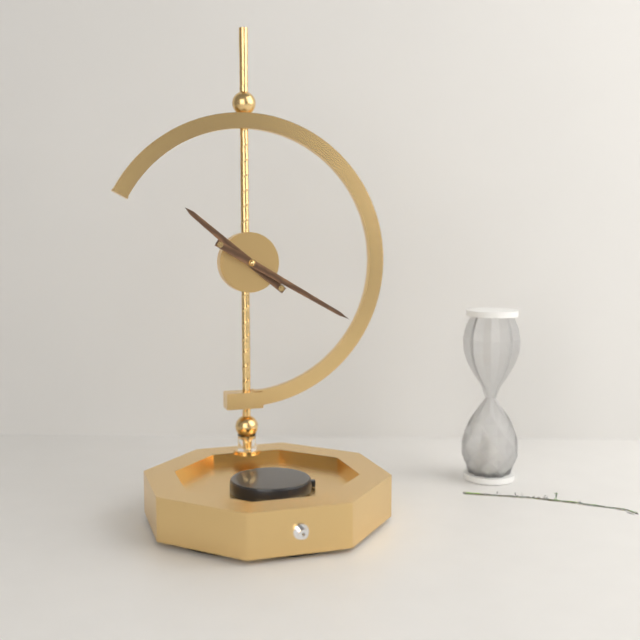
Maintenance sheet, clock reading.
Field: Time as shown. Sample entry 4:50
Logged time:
10:20
